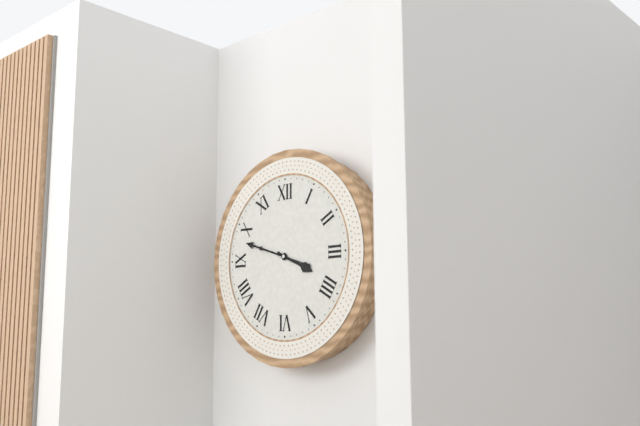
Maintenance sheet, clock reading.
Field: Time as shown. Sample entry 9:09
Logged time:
3:48
